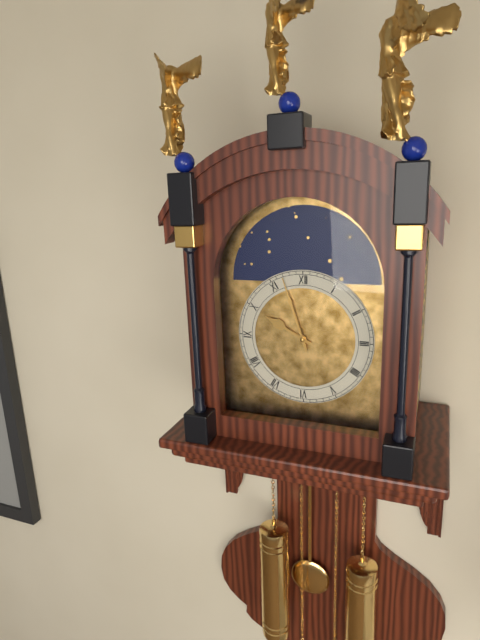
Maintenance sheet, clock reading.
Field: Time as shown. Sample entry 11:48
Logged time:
9:57
